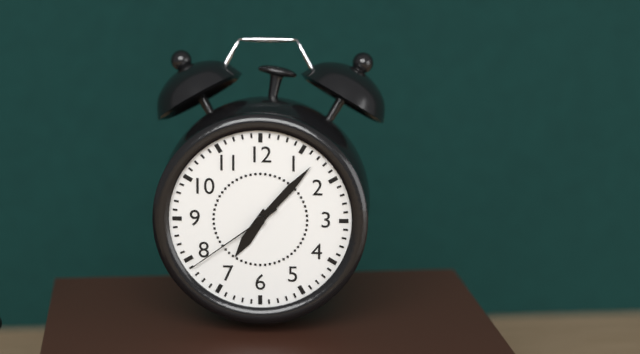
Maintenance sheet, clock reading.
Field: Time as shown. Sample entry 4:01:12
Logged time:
7:07:39
